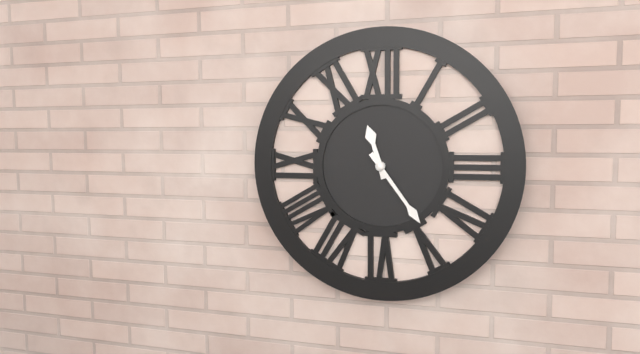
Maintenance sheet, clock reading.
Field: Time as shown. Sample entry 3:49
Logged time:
11:24
